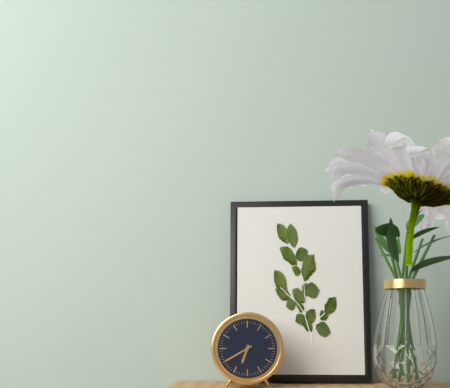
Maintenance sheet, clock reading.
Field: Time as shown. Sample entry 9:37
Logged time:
6:40
